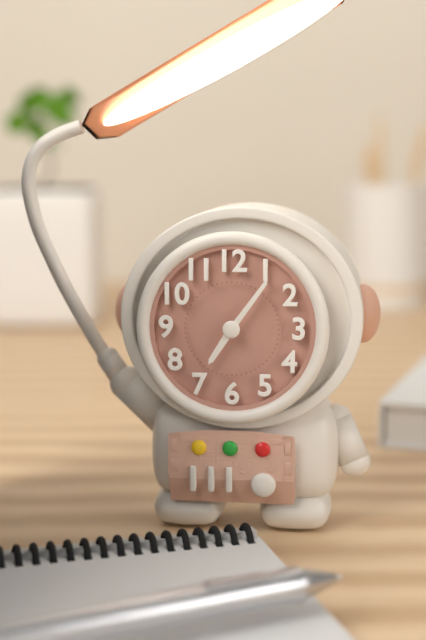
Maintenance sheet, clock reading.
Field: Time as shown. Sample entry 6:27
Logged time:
7:06
